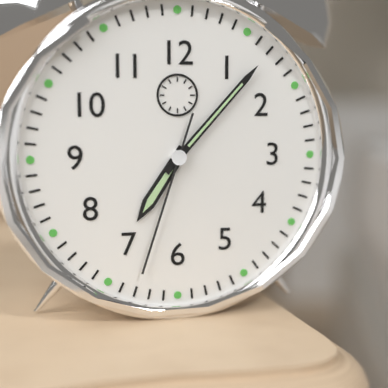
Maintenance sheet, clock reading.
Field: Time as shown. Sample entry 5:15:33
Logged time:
7:07:33
